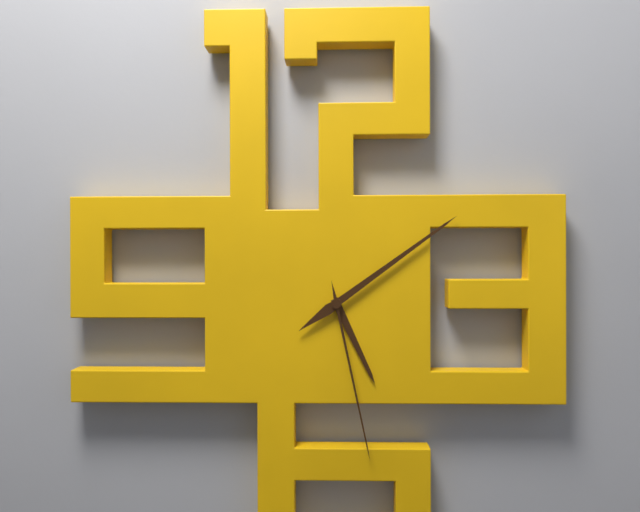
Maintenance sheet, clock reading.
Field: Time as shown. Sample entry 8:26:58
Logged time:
5:09:28
